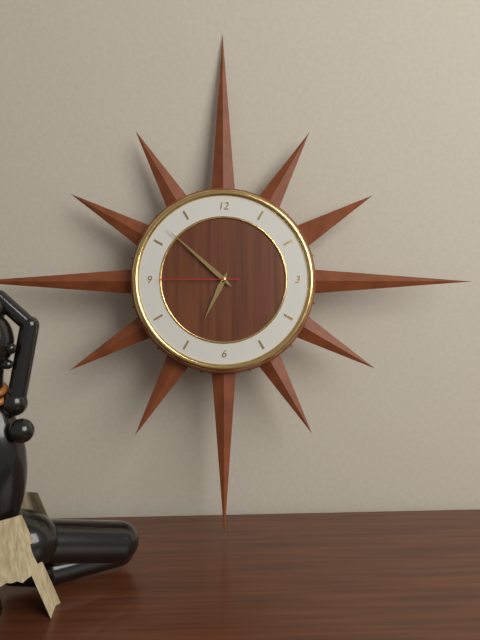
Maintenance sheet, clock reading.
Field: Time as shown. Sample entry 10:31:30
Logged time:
6:52:45
